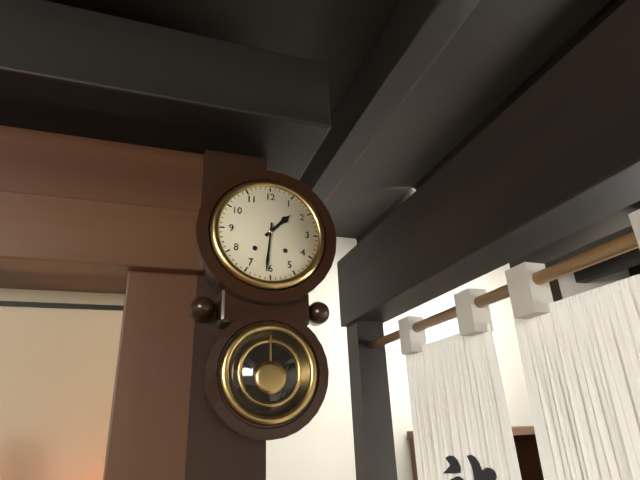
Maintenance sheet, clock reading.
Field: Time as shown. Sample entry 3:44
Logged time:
1:31
